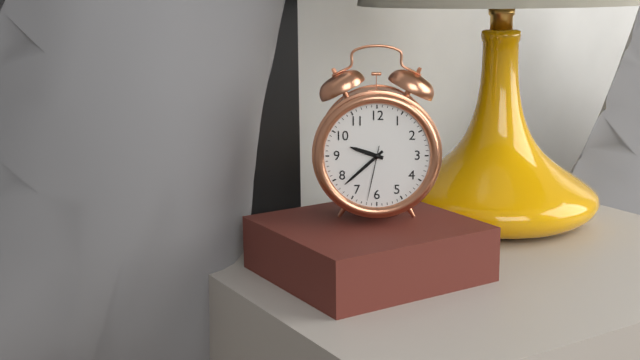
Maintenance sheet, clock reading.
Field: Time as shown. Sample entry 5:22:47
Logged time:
9:38:32
